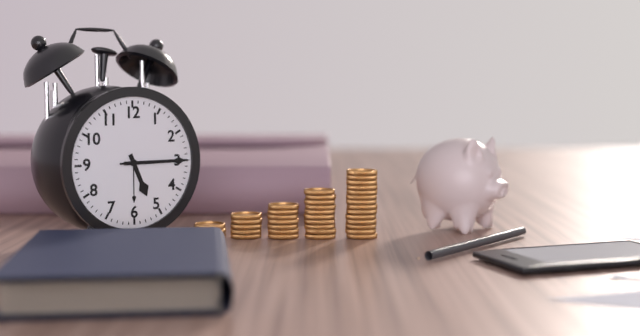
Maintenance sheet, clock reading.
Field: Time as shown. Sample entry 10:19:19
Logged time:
5:15:15
